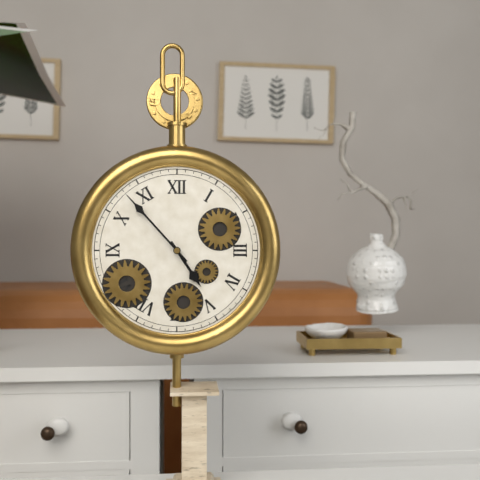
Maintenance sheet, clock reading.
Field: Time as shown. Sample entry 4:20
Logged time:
4:53
